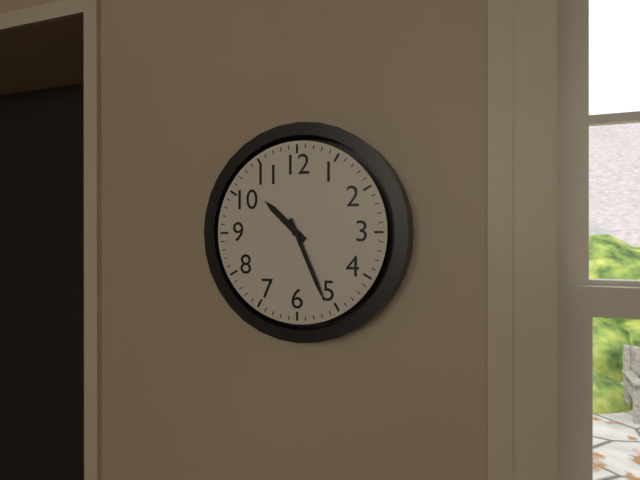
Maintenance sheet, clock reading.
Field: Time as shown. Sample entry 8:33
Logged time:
10:26
